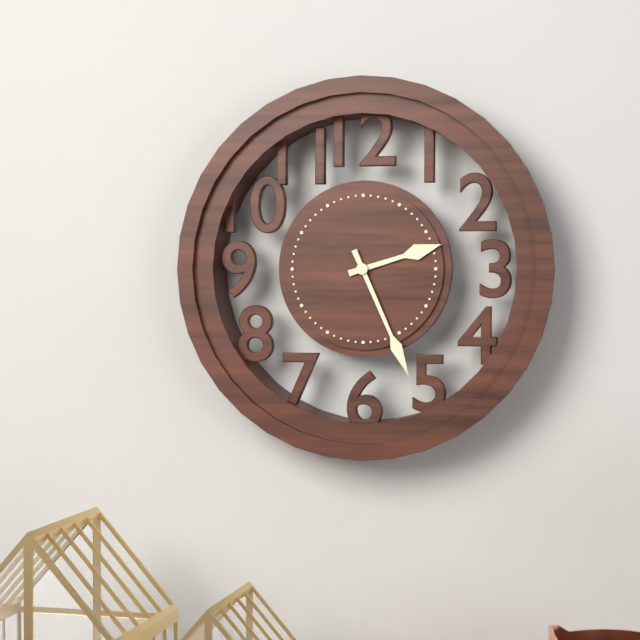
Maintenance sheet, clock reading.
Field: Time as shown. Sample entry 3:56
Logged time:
2:26
